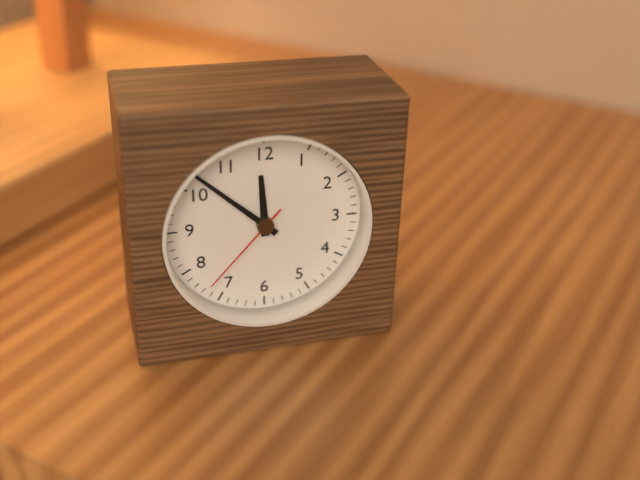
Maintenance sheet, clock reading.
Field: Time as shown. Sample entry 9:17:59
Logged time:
11:52:37
